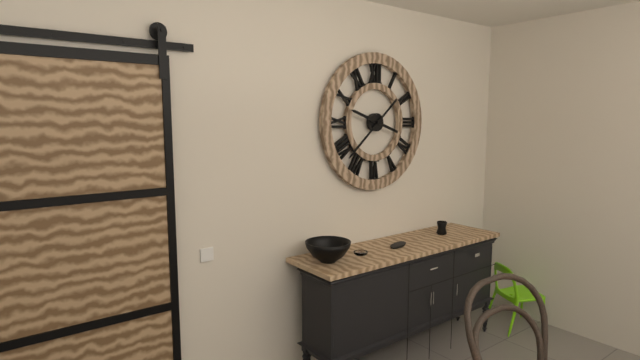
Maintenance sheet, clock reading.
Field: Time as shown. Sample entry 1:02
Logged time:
9:38
